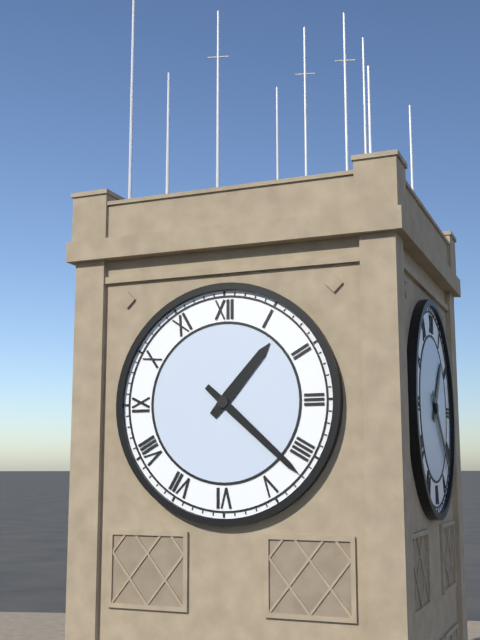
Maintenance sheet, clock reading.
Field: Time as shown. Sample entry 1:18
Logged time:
1:22
